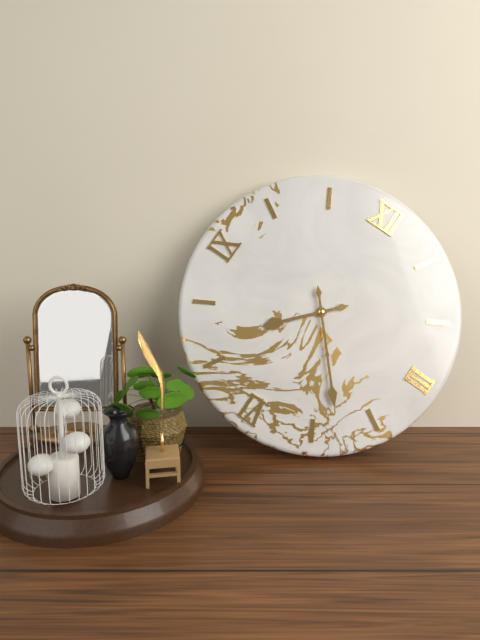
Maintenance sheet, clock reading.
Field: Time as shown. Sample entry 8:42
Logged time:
7:23
